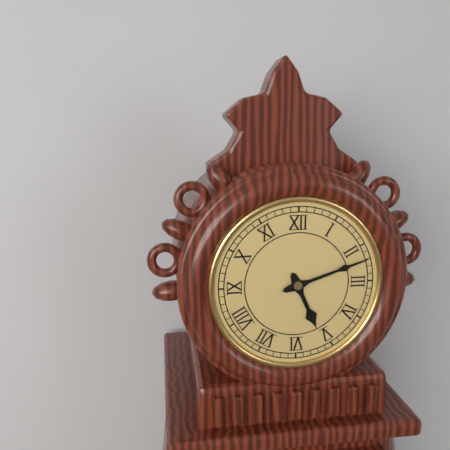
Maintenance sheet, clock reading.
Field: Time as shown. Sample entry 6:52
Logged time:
5:12
